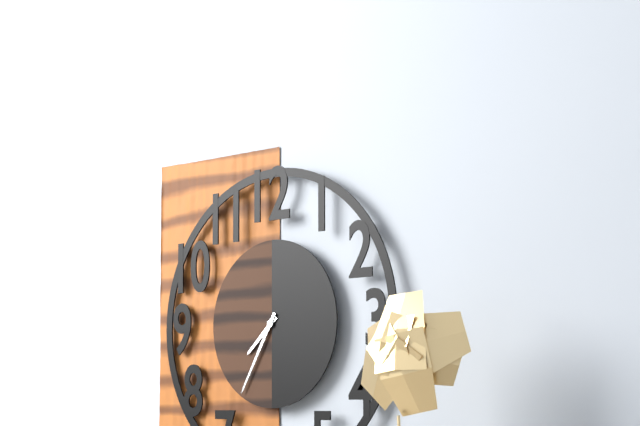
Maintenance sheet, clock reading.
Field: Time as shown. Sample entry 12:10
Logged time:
7:35
